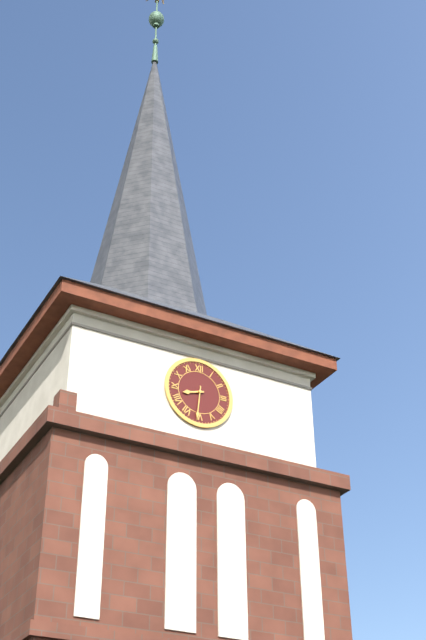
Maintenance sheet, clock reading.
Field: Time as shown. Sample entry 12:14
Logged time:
8:31
